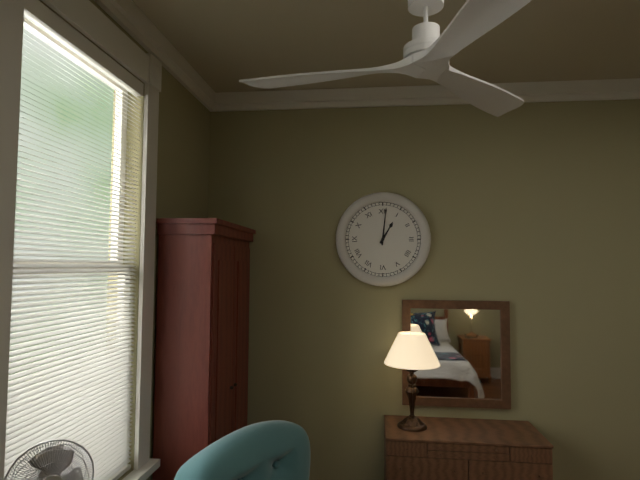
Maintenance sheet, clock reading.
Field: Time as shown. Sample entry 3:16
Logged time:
1:01
